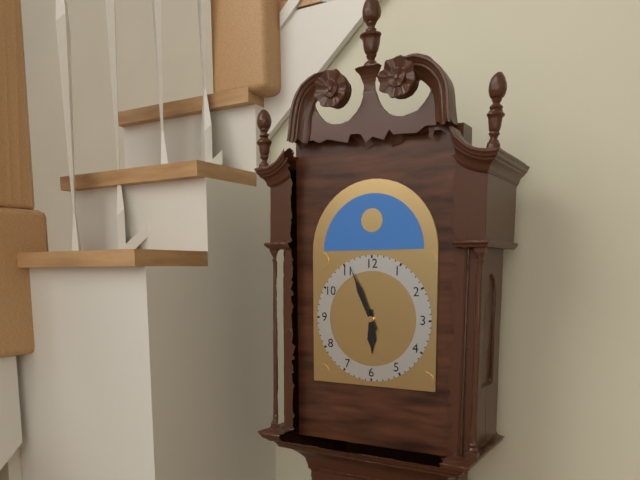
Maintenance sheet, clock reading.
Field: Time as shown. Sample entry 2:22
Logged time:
5:56
